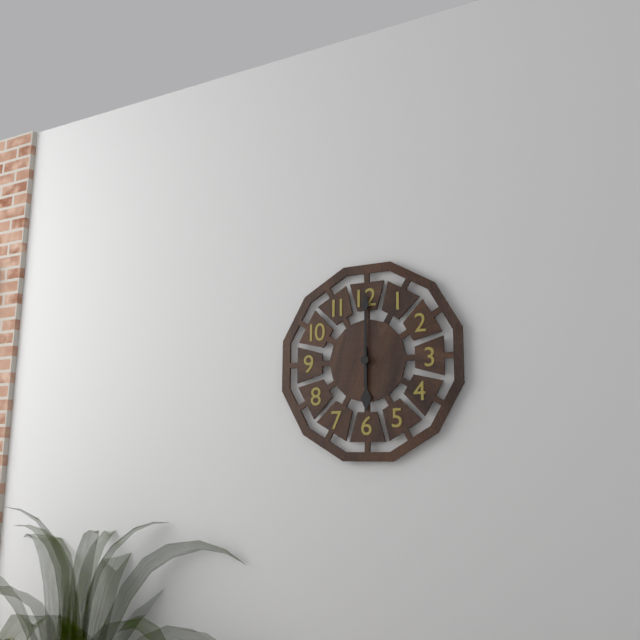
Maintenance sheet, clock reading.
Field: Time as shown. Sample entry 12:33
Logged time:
6:00
